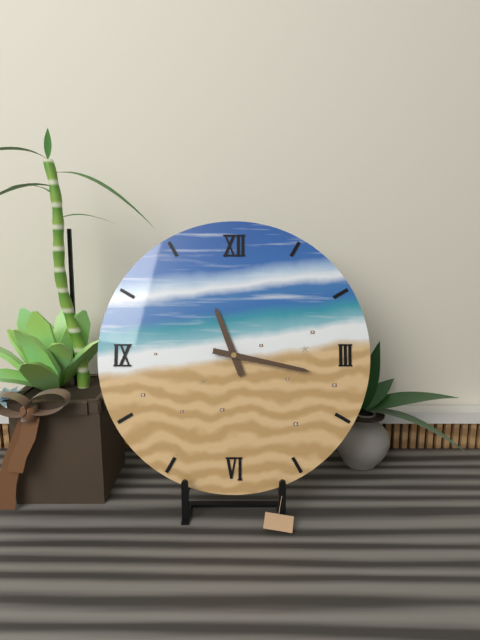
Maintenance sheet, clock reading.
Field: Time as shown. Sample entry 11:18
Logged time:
11:17
